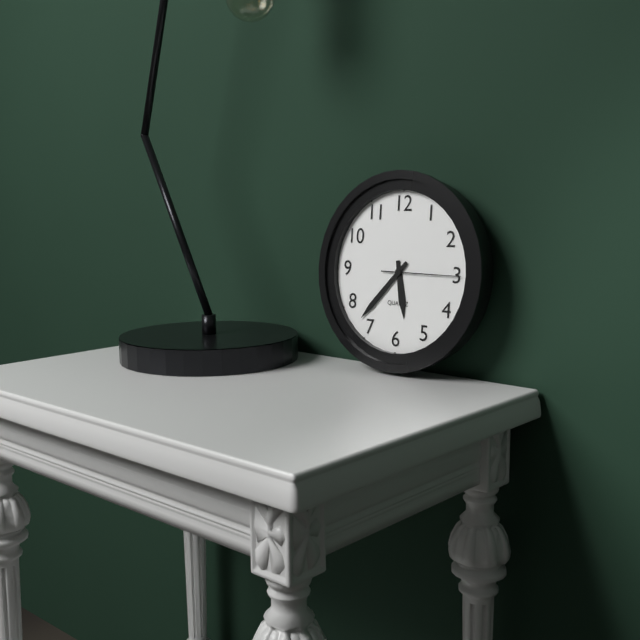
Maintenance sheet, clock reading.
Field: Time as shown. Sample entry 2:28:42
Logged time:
5:37:15
